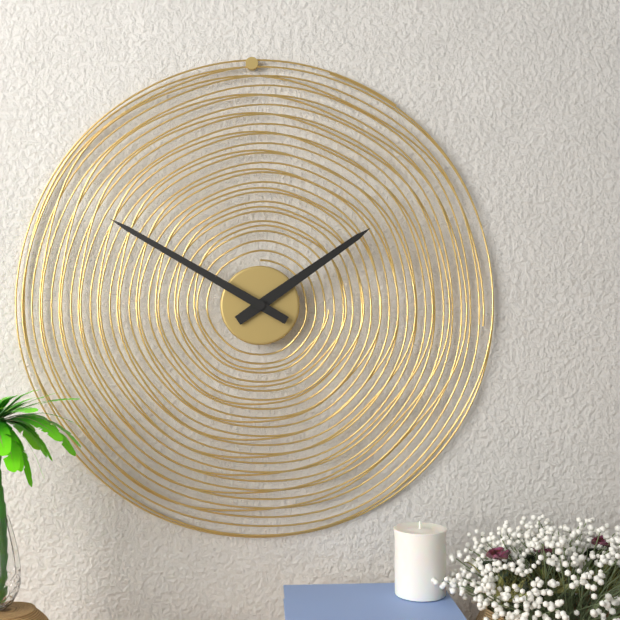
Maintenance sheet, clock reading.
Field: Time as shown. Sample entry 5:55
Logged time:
1:50
